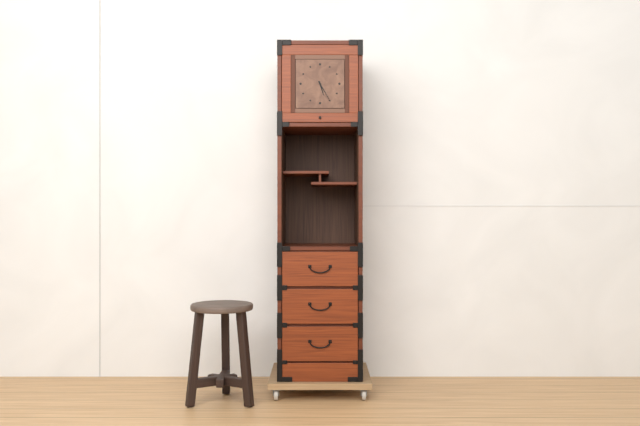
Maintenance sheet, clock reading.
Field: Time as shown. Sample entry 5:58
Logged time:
5:25
